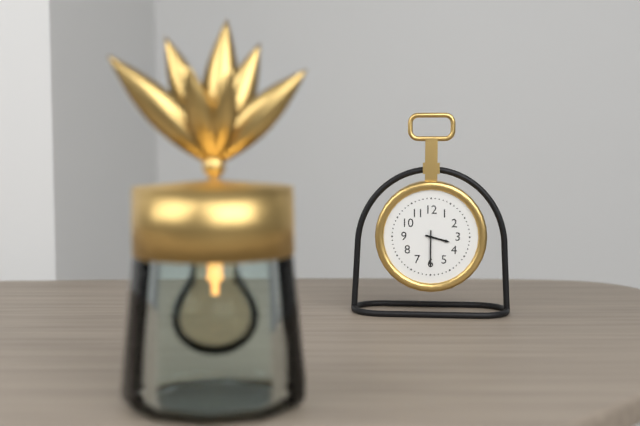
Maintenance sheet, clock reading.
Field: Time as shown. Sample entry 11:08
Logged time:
3:30
